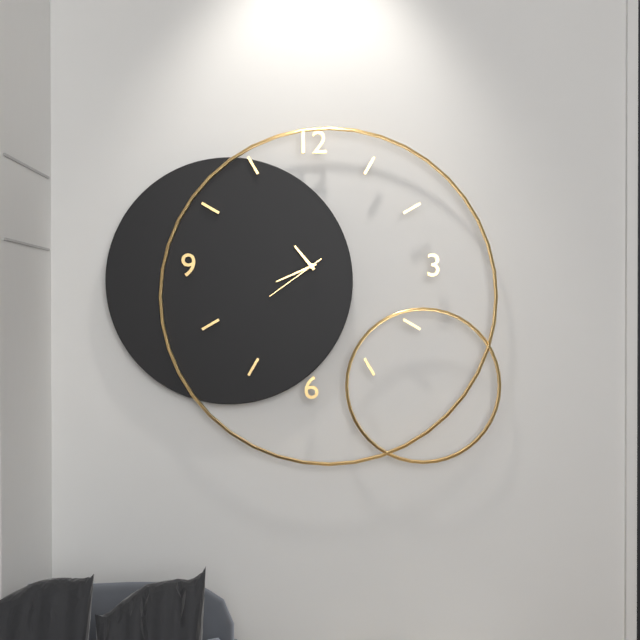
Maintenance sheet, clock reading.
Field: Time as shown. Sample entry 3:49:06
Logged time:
10:41:39
